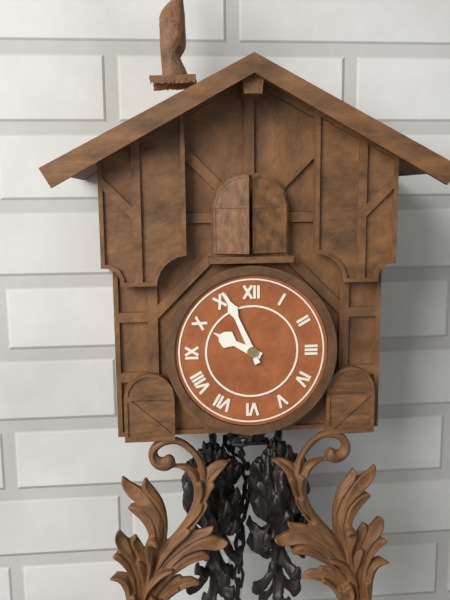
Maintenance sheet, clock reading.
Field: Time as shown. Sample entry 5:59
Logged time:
9:56
